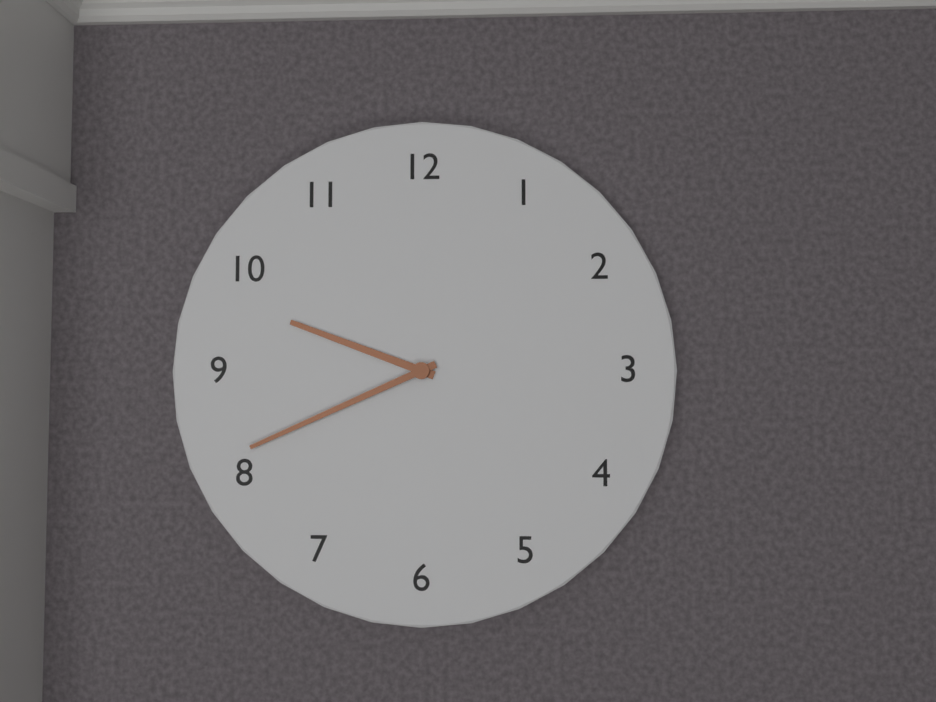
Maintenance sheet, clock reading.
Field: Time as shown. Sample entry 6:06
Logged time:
9:41
